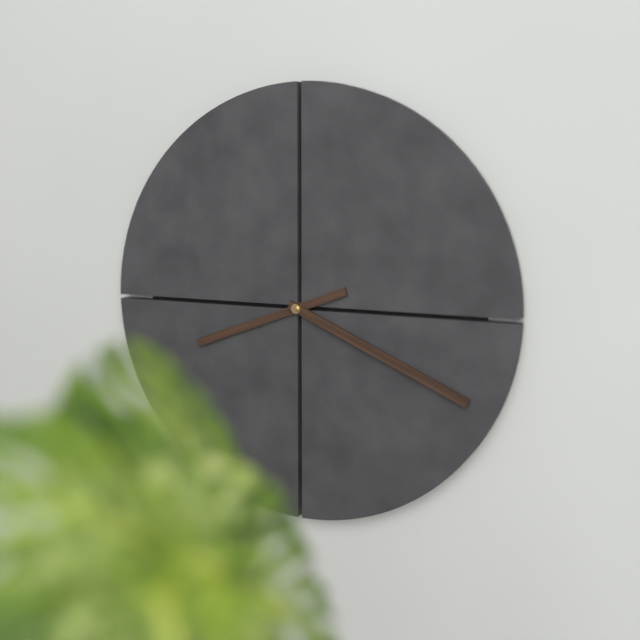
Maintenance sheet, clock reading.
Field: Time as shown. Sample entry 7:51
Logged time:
8:19
